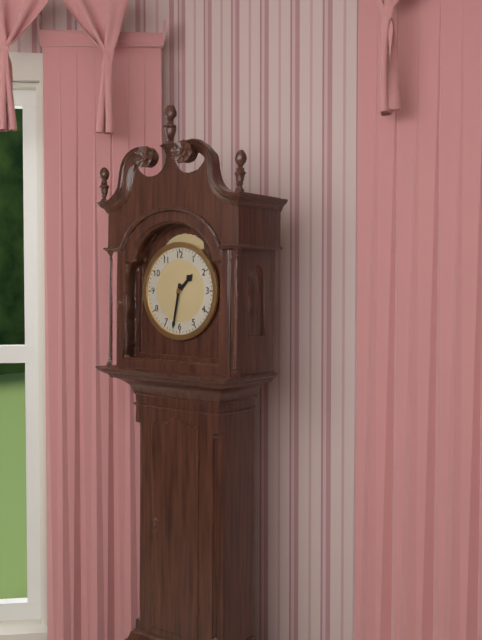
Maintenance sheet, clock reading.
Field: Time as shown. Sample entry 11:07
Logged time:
1:32
